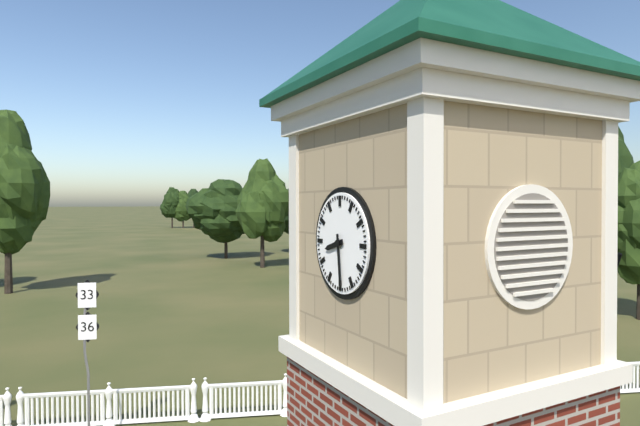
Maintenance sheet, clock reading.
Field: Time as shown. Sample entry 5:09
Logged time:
8:29
